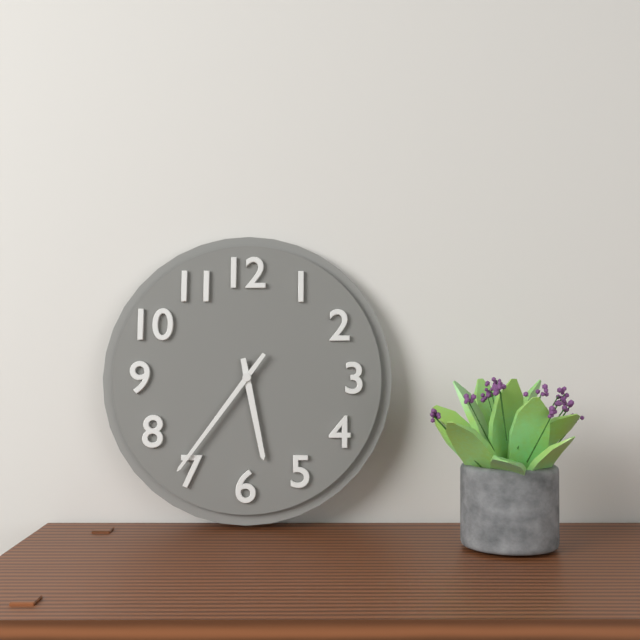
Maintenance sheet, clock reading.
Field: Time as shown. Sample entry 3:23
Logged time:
5:36
